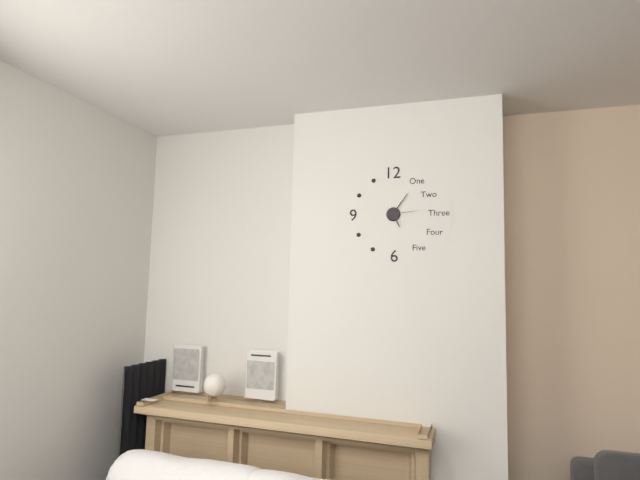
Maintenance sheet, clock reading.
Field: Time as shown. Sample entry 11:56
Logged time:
5:06
